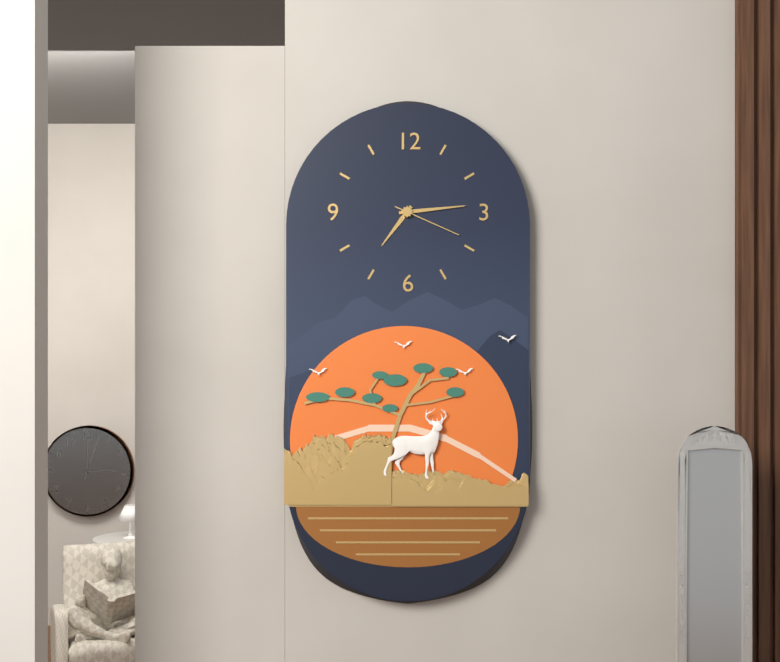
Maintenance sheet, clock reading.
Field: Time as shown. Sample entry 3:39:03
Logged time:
7:14:19
